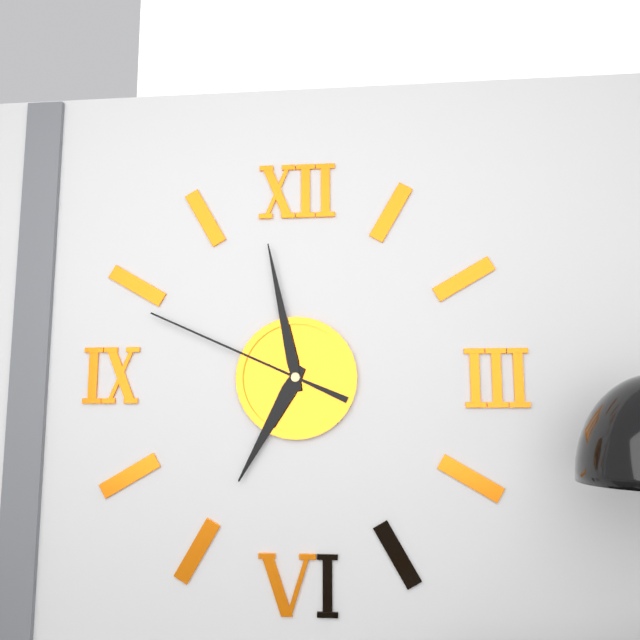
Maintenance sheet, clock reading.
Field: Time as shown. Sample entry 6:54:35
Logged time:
6:58:49
